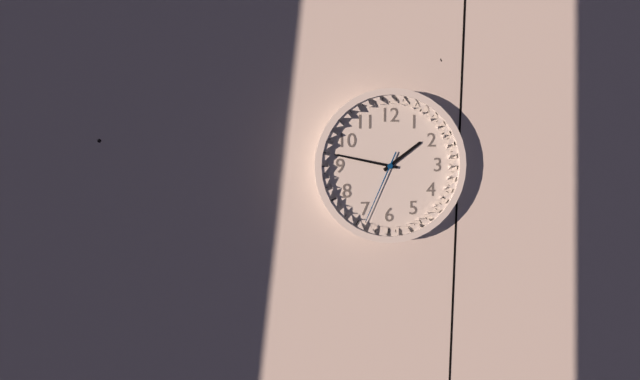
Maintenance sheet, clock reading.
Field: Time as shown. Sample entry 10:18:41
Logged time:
1:47:34
